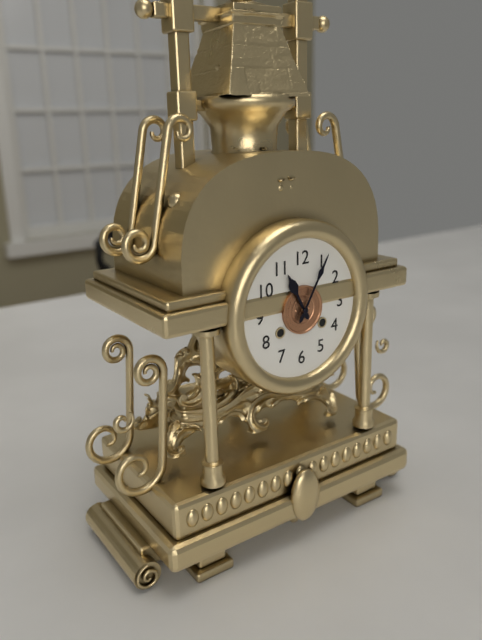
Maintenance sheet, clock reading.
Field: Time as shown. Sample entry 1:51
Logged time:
11:05
